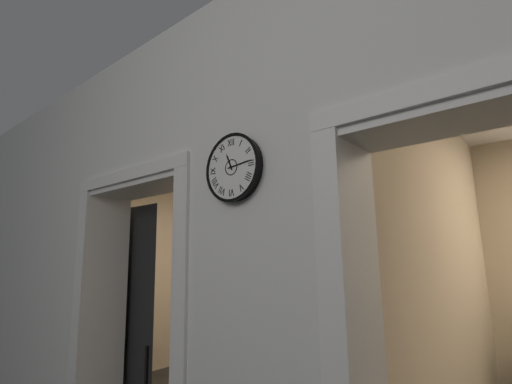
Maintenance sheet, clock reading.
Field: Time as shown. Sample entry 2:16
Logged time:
11:14
